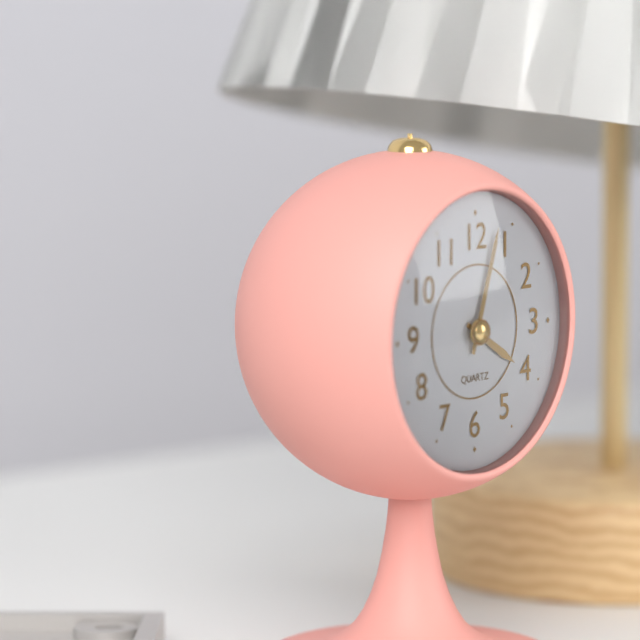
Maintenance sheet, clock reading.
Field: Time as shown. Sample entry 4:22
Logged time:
4:03
